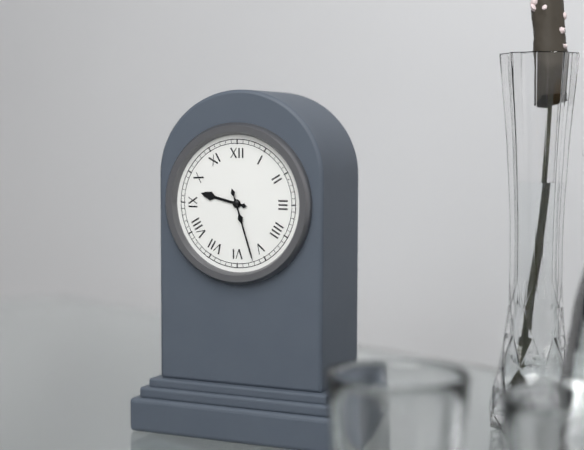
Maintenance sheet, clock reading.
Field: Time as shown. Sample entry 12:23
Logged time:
9:27
